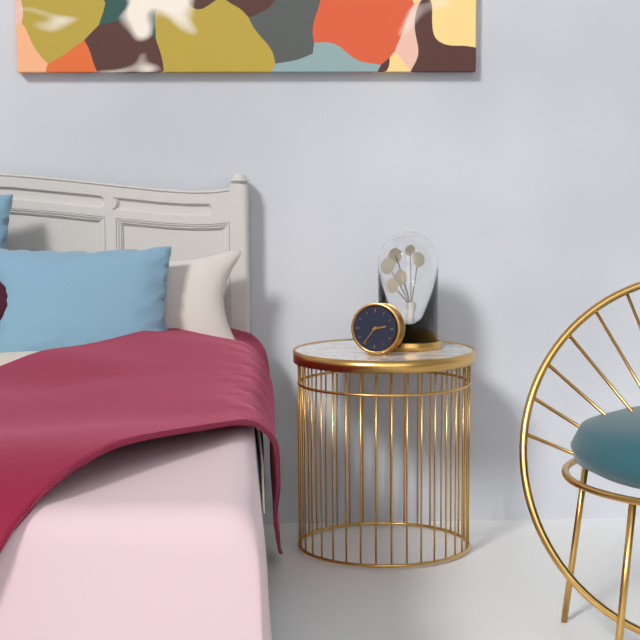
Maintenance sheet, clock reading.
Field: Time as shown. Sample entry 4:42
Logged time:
2:36
